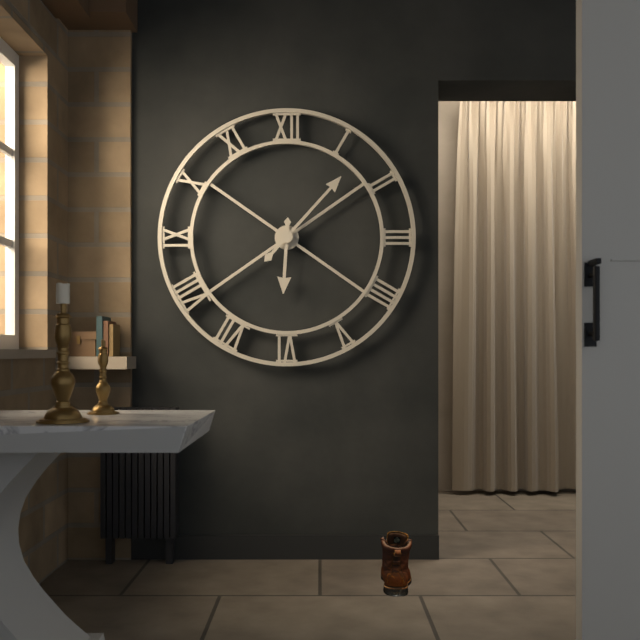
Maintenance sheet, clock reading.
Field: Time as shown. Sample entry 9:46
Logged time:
6:07
